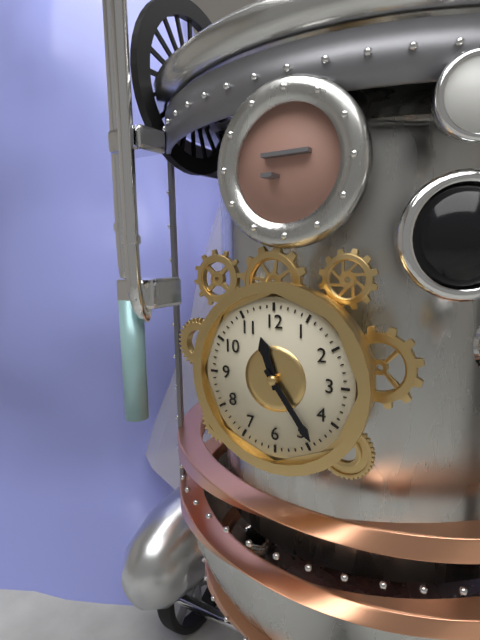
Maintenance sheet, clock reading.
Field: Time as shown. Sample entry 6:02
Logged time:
11:24
